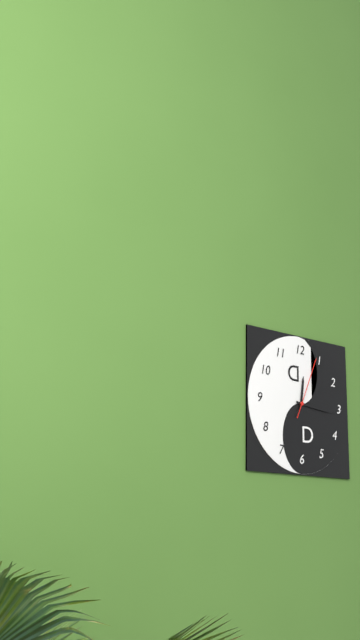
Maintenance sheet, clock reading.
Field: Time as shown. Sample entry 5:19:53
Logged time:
12:16:04
